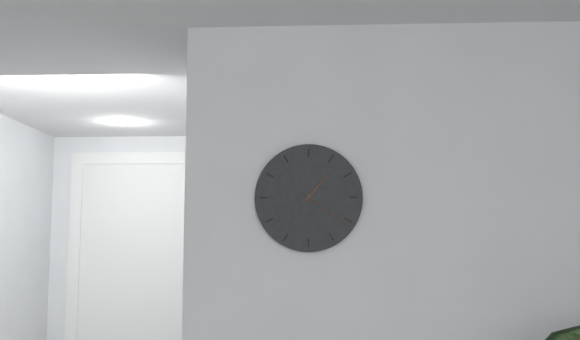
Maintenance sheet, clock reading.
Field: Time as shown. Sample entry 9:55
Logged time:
1:21
